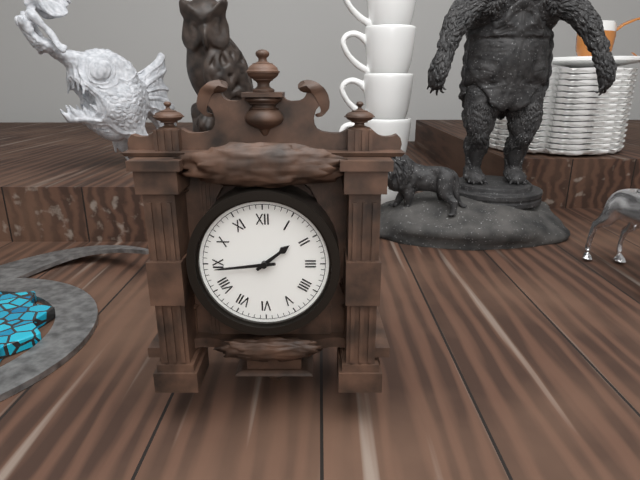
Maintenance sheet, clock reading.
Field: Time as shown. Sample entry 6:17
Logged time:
1:44
